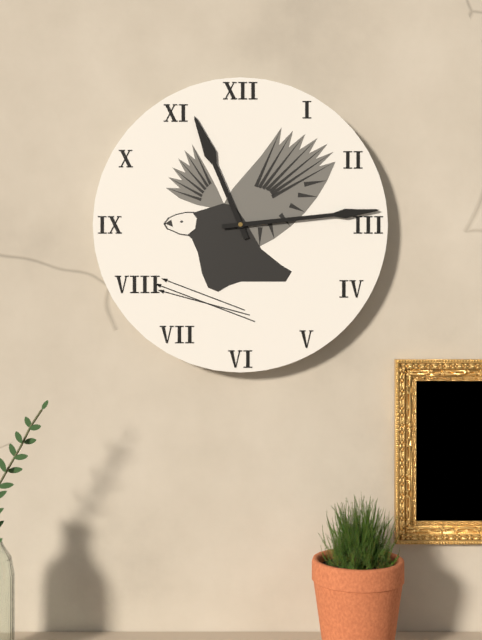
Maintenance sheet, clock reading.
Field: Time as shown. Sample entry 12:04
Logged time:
11:14
